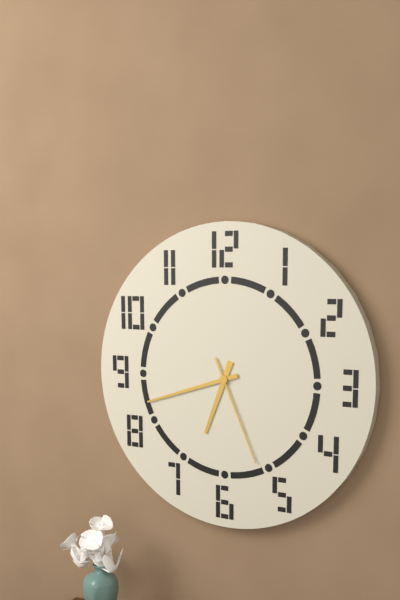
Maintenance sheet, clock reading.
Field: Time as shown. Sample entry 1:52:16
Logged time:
6:42:26
